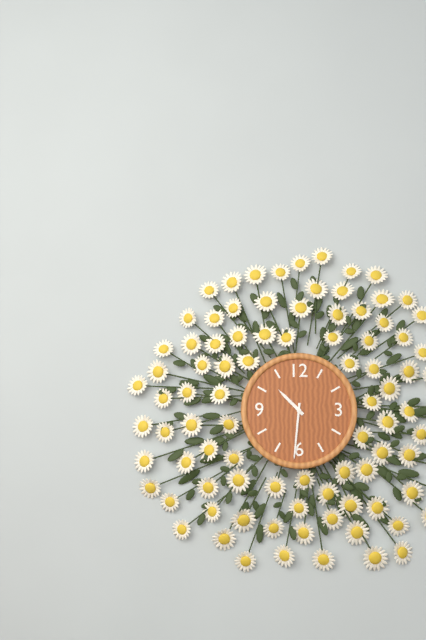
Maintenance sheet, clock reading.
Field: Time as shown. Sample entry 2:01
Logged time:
10:31
